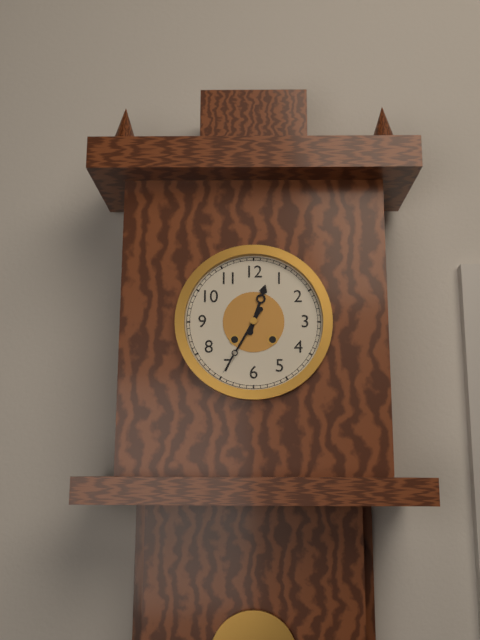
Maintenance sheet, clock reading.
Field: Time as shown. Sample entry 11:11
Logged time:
12:35
